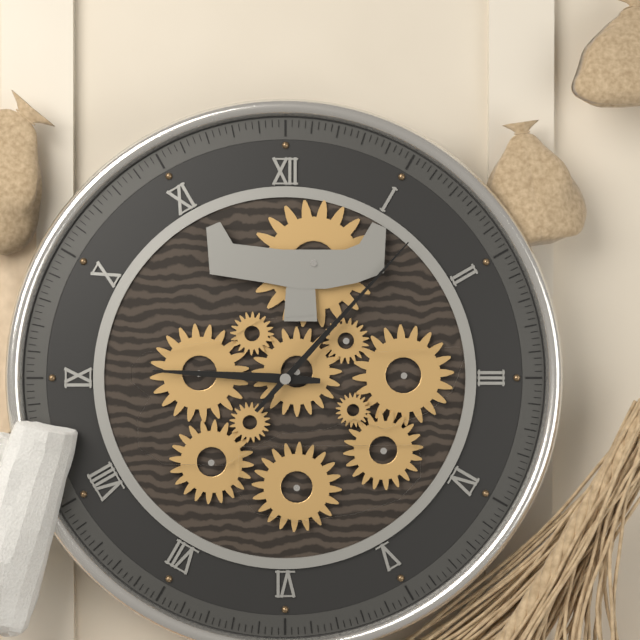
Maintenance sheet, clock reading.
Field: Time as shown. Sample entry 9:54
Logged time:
9:07
